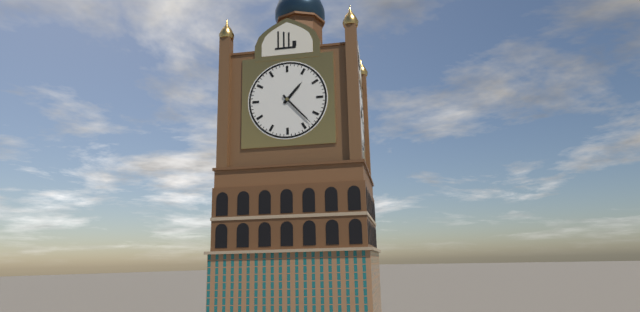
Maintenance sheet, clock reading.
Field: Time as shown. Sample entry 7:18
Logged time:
1:23
